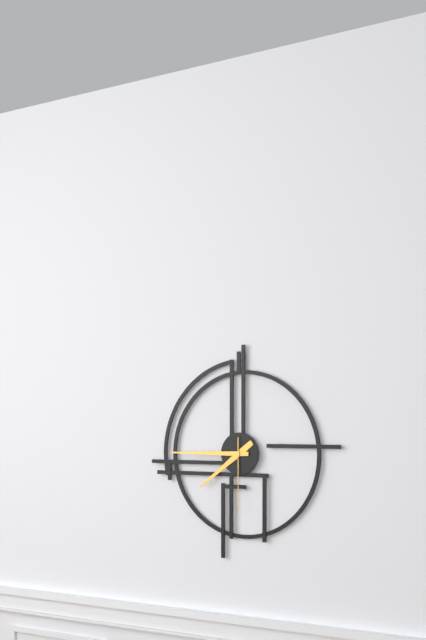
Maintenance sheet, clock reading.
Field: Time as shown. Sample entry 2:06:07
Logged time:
7:45:30
